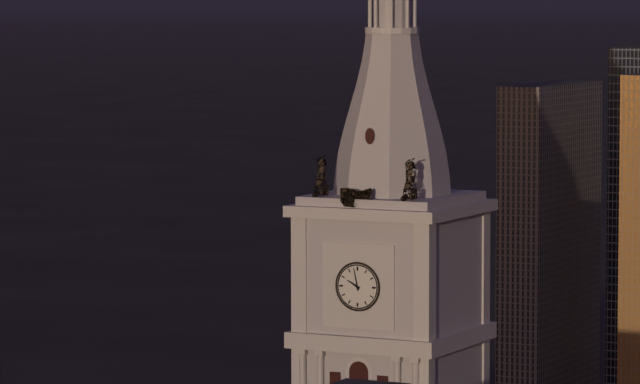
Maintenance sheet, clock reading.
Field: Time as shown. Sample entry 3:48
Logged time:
9:58
